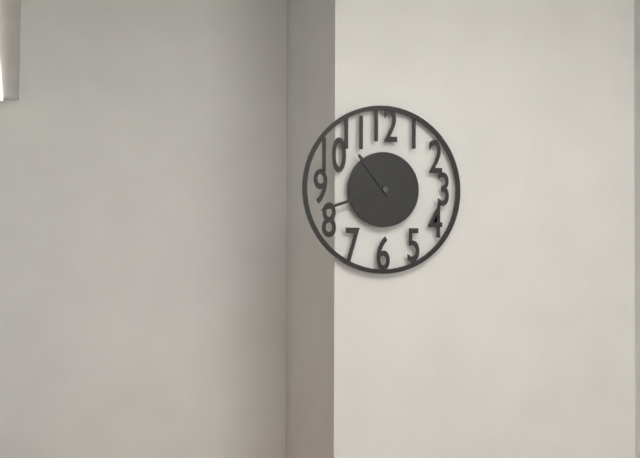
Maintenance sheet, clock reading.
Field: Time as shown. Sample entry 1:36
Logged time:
10:42
